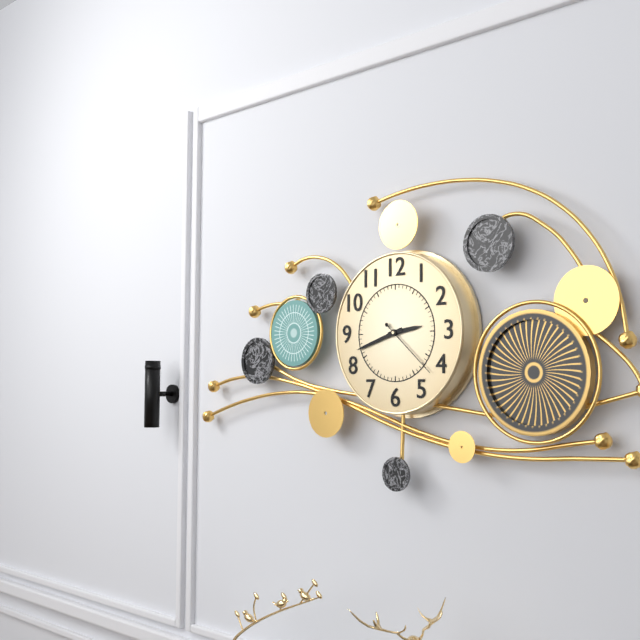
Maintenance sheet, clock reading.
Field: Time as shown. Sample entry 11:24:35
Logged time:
2:42:22
